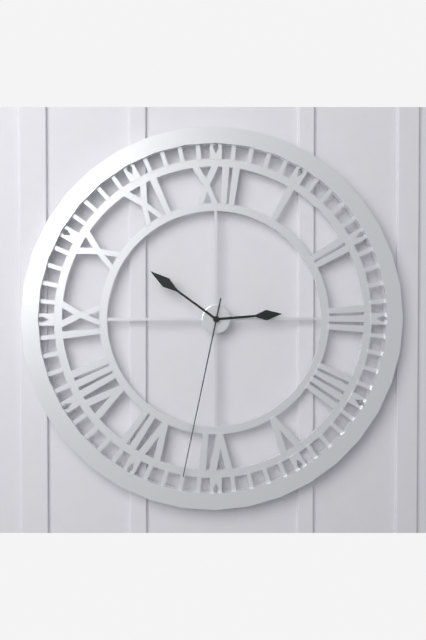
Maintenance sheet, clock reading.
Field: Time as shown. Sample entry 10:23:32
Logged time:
2:51:32
